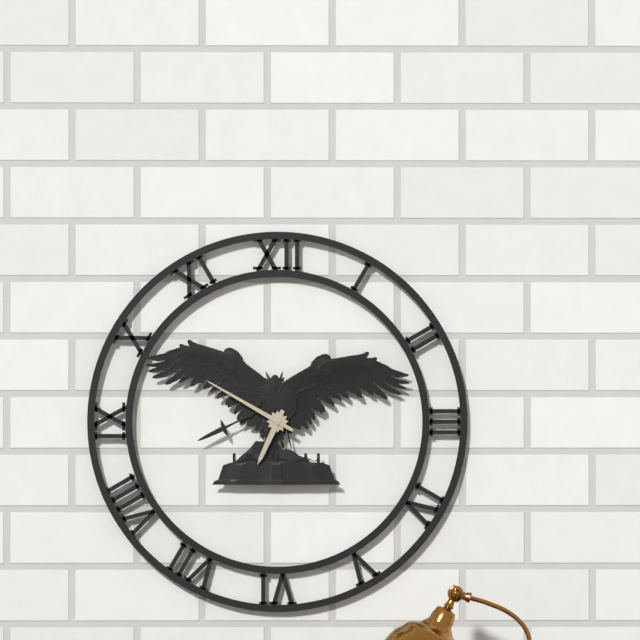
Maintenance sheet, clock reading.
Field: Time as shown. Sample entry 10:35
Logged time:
6:50
